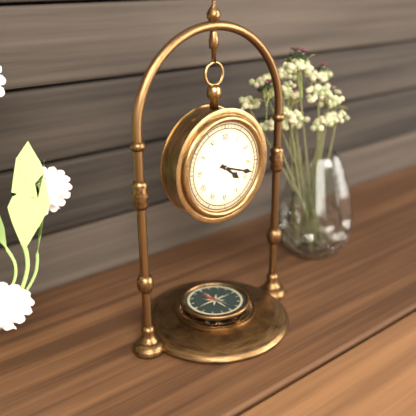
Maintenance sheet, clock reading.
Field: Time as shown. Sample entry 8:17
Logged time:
4:18
